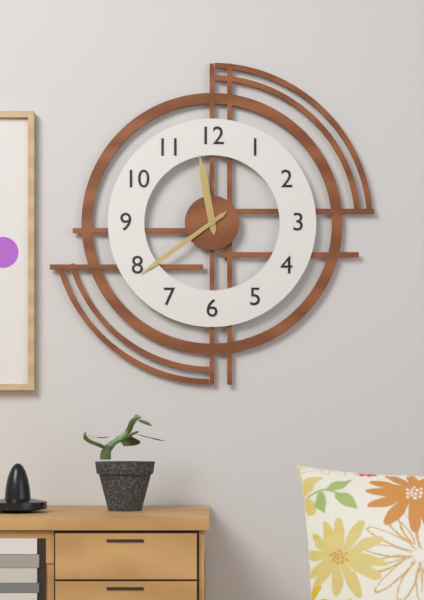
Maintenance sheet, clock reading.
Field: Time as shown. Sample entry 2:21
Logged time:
11:39
